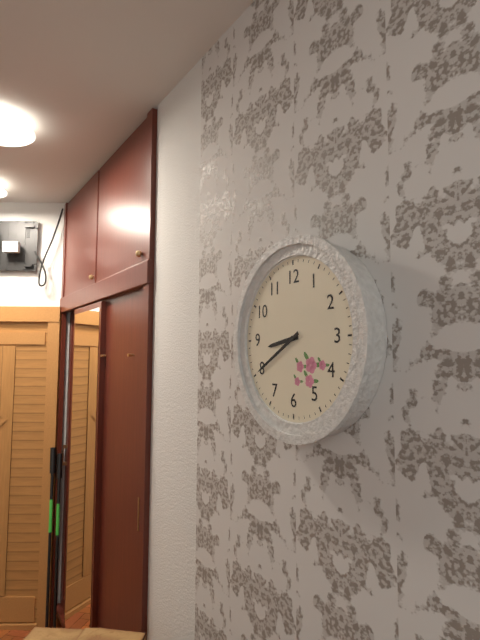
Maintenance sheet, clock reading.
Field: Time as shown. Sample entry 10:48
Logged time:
8:40
